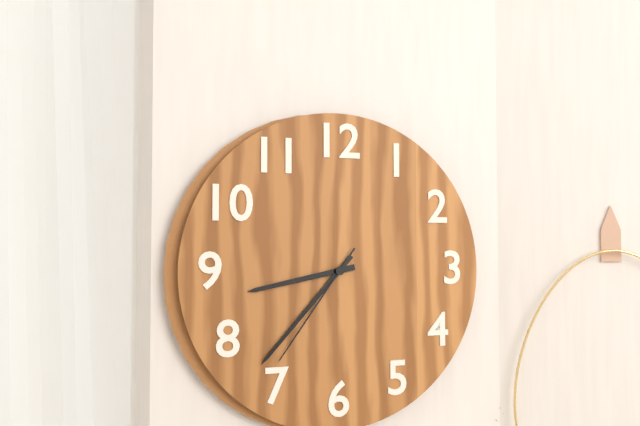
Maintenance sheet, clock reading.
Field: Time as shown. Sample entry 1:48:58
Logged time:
8:37:36
